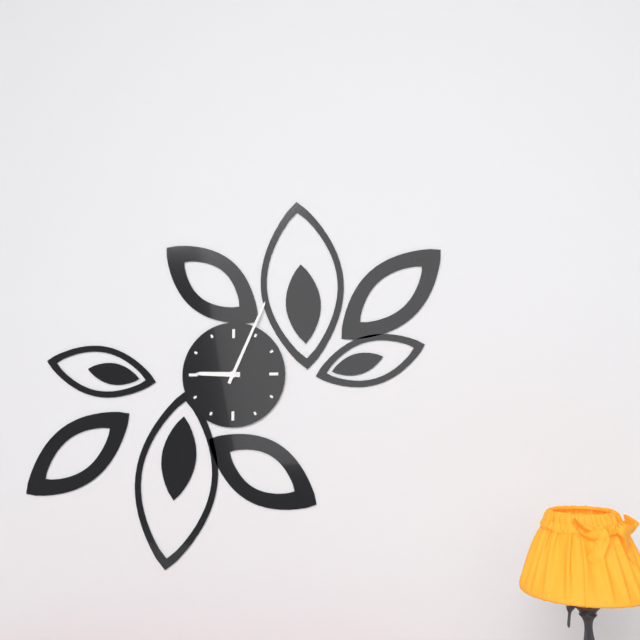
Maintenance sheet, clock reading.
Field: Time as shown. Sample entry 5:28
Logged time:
9:04
